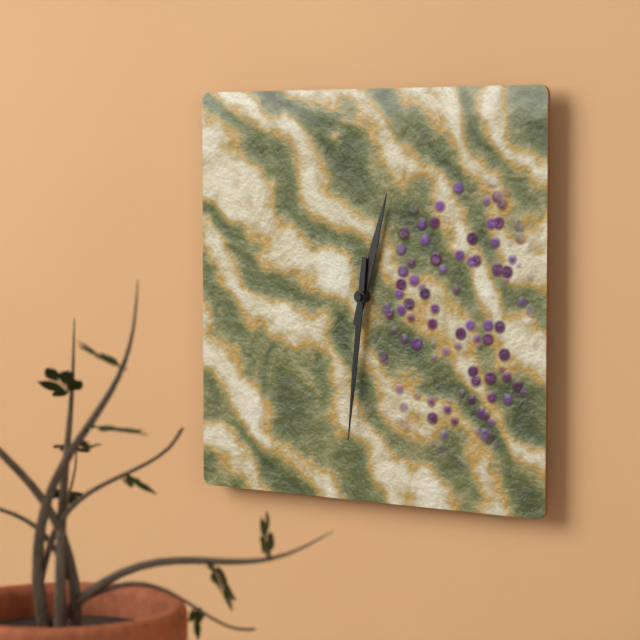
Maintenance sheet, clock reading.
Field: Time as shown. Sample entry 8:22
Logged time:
12:31
